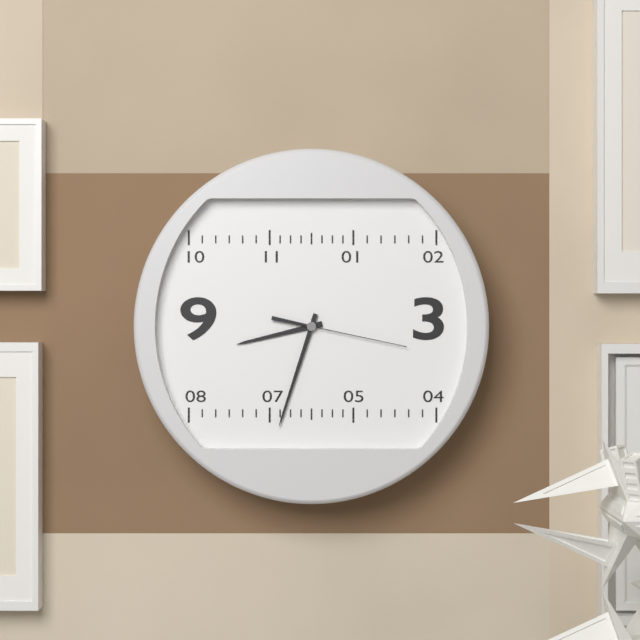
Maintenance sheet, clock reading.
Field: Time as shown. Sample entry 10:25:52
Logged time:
8:33:17
